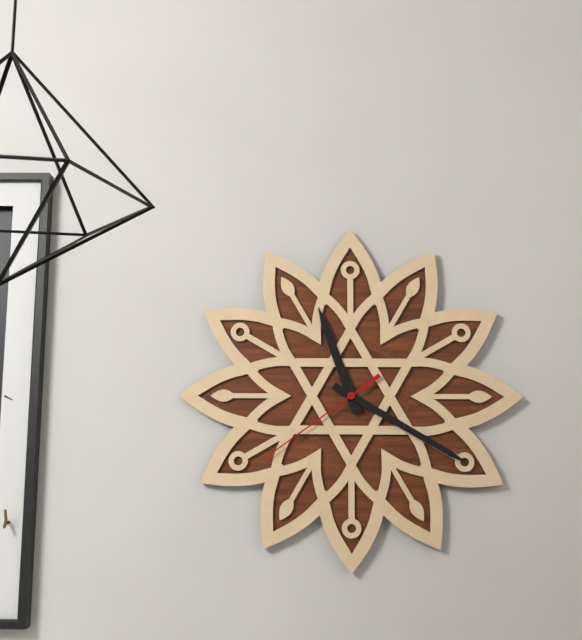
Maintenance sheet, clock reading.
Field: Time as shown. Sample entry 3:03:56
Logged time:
11:20:39
